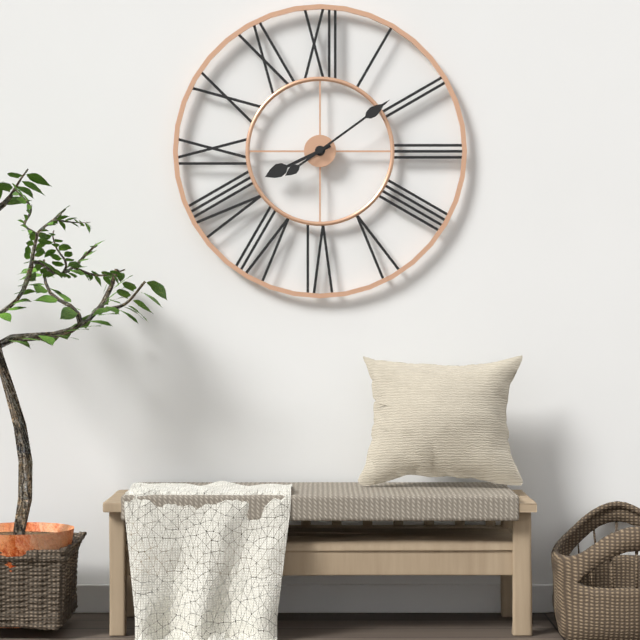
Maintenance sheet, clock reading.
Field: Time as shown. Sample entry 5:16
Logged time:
8:09
